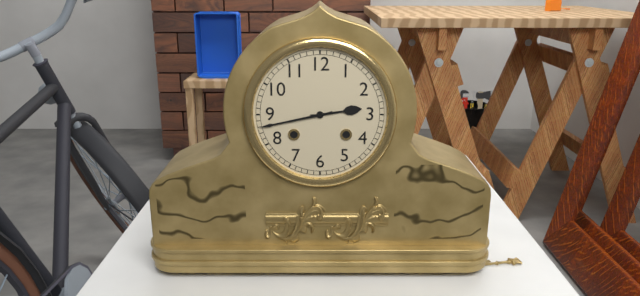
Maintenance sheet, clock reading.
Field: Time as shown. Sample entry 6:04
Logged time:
2:43
